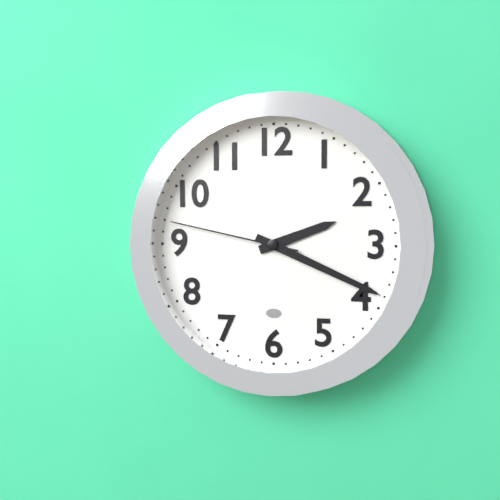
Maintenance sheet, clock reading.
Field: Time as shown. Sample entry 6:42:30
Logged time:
2:19:47
